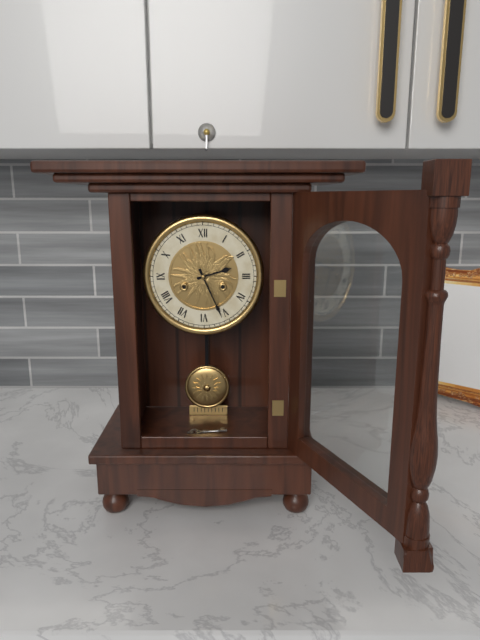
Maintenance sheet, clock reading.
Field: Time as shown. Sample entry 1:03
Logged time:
2:26
